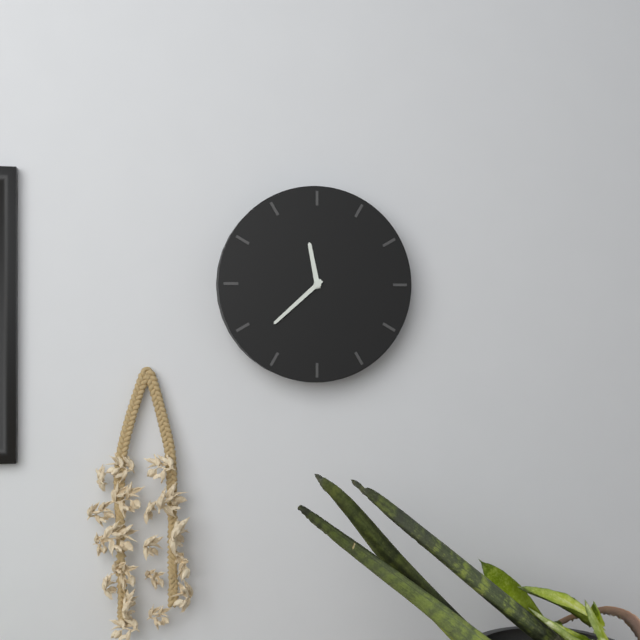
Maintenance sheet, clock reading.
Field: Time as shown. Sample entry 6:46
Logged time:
11:38
